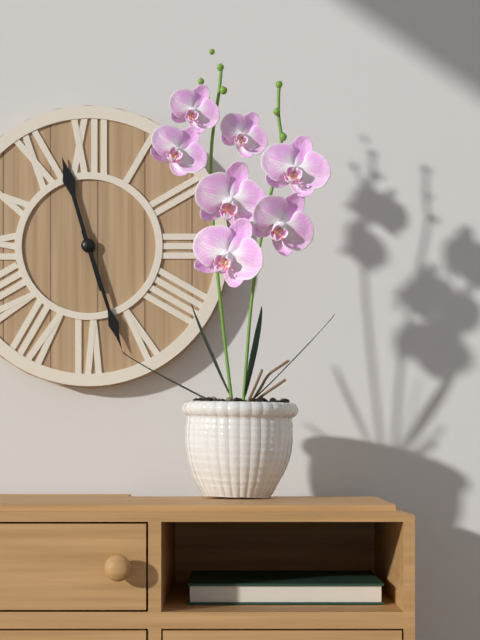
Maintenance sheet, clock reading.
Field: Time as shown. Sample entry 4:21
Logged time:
11:27
